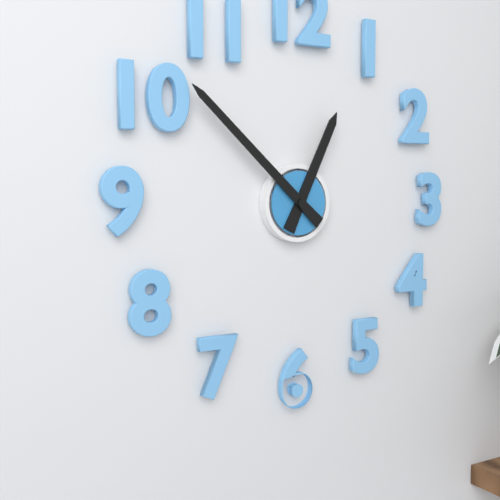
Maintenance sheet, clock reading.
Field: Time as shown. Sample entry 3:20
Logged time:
12:52
